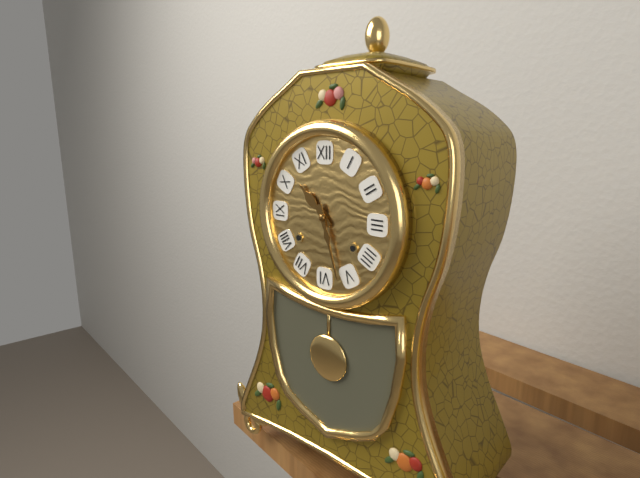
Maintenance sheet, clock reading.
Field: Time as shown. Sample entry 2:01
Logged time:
10:27
